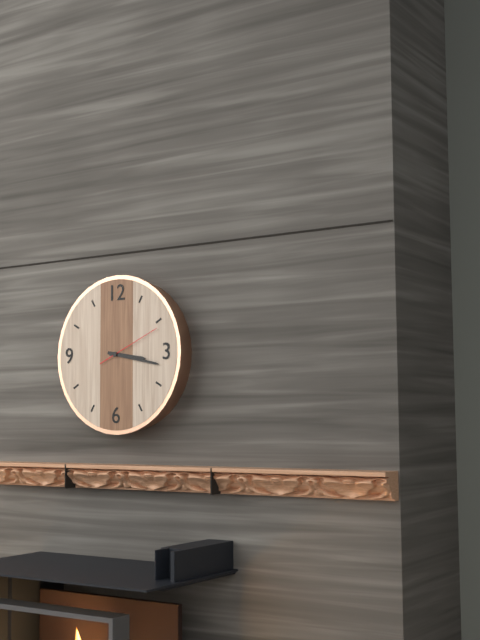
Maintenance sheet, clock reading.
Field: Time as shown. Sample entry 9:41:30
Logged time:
3:17:11
